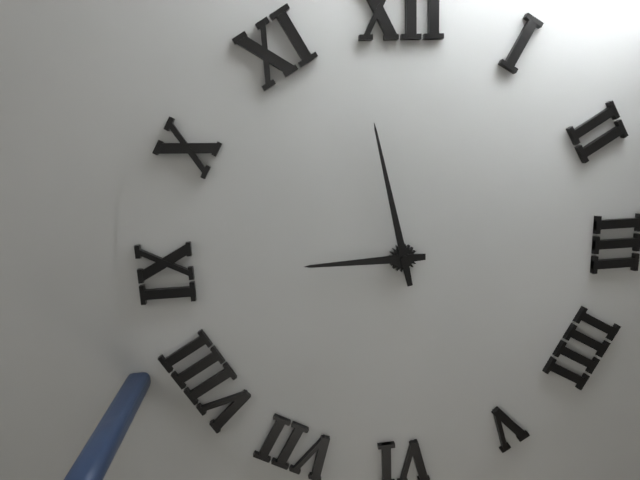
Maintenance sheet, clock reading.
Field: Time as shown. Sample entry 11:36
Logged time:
8:58
